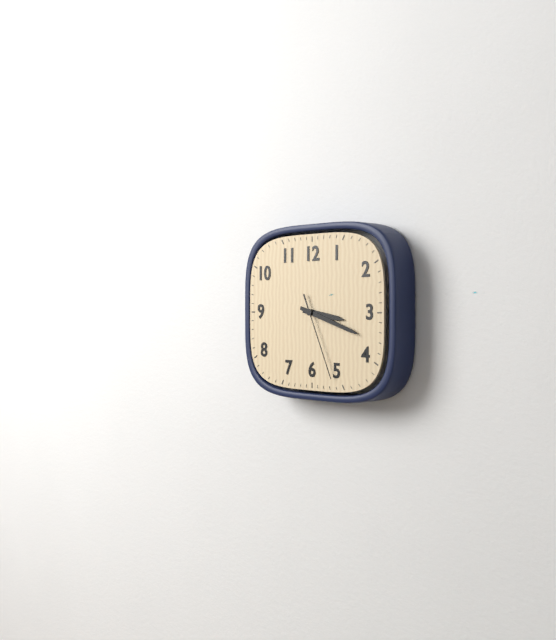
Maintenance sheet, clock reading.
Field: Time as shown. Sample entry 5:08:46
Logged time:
3:18:26
